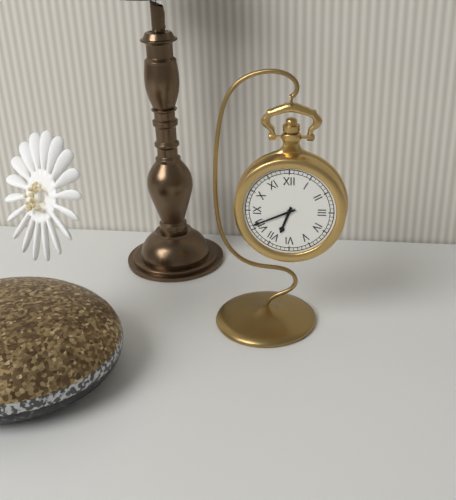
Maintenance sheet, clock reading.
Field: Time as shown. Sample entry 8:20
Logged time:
6:41
